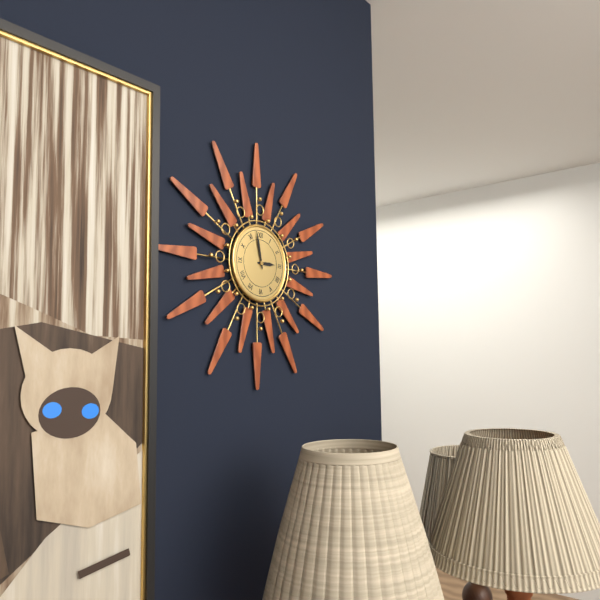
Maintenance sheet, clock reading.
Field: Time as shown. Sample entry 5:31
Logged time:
2:58
